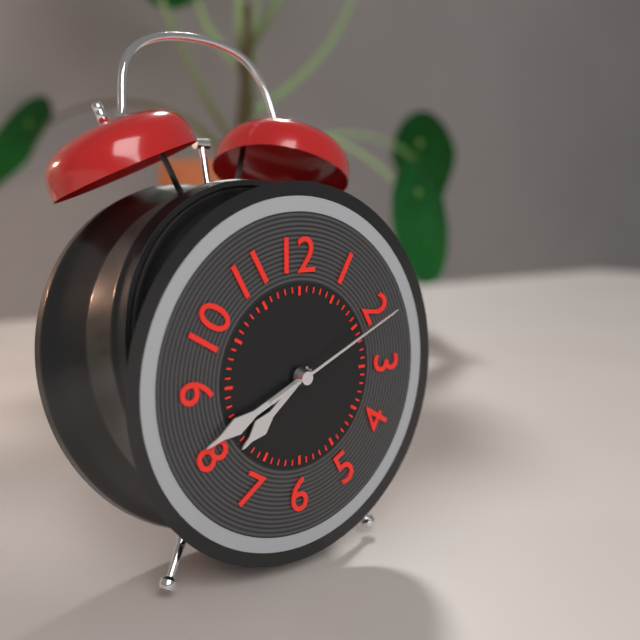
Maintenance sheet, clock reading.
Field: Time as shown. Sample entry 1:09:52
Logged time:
7:41:11
